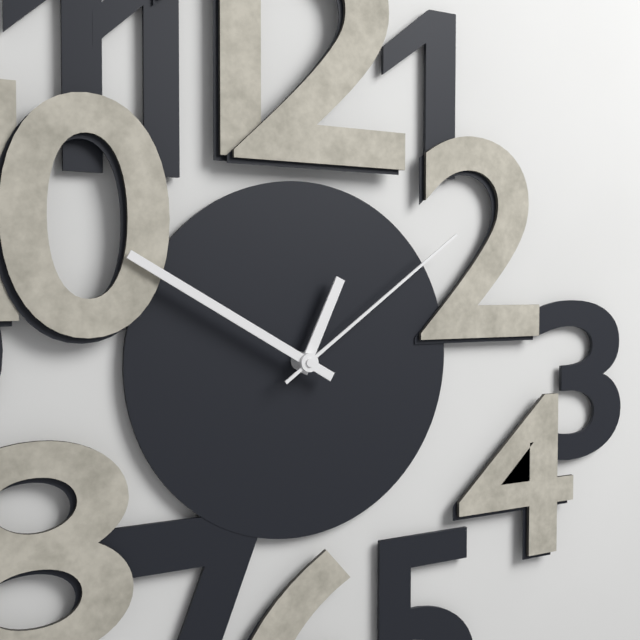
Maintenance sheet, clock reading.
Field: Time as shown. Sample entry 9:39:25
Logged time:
12:50:09
